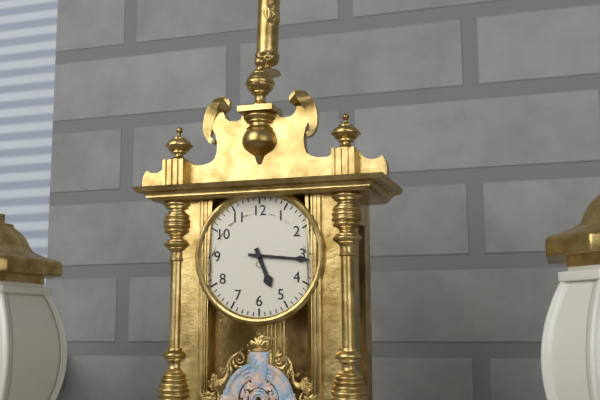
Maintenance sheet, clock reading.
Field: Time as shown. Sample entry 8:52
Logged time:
5:16
